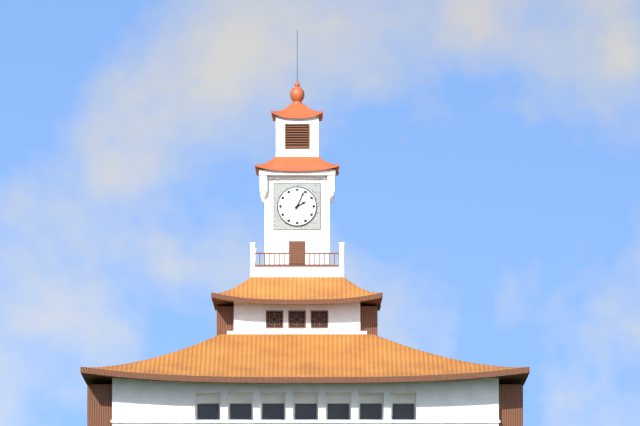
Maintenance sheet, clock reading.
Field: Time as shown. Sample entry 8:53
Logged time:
2:04
